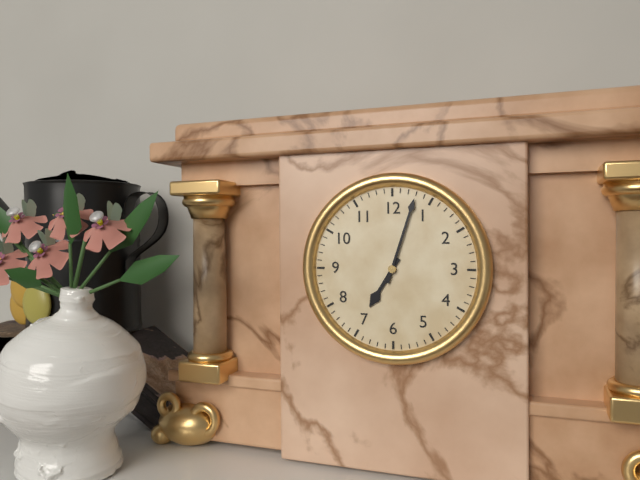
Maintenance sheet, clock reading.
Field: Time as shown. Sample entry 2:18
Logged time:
7:03
